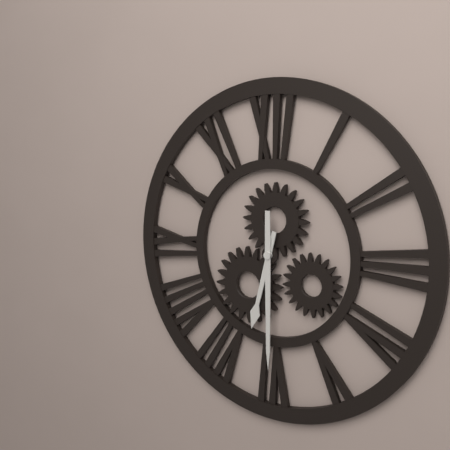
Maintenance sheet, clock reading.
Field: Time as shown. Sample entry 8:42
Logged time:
6:30
